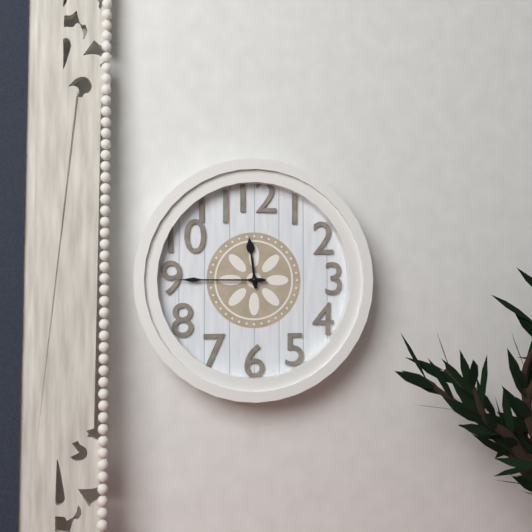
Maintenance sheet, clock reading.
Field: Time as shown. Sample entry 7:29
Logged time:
11:45
